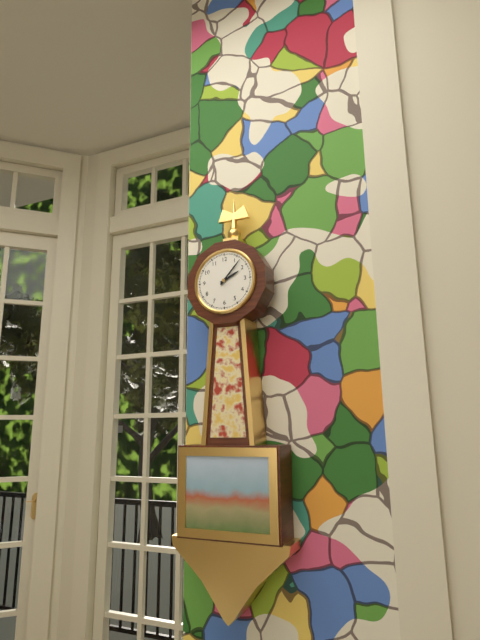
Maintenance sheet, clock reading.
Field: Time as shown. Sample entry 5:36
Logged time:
2:07
